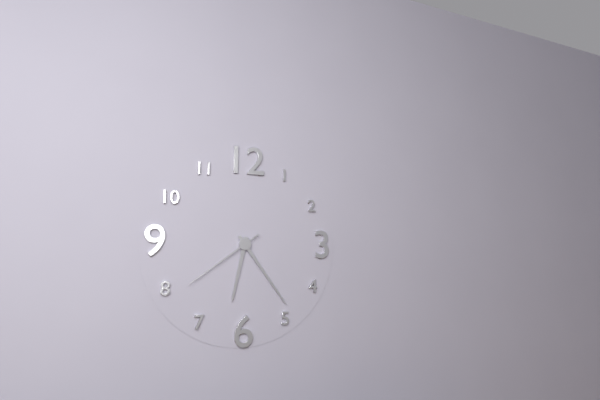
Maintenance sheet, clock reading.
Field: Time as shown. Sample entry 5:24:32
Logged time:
6:24:39
